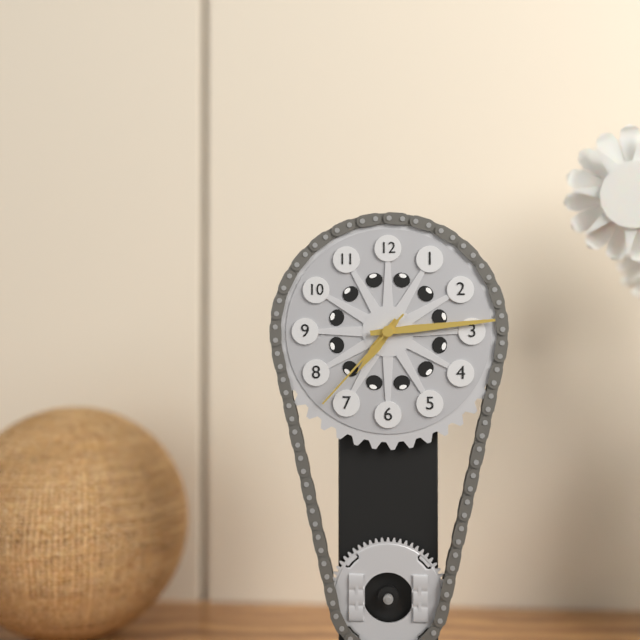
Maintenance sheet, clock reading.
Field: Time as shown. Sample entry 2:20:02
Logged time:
7:14:37
